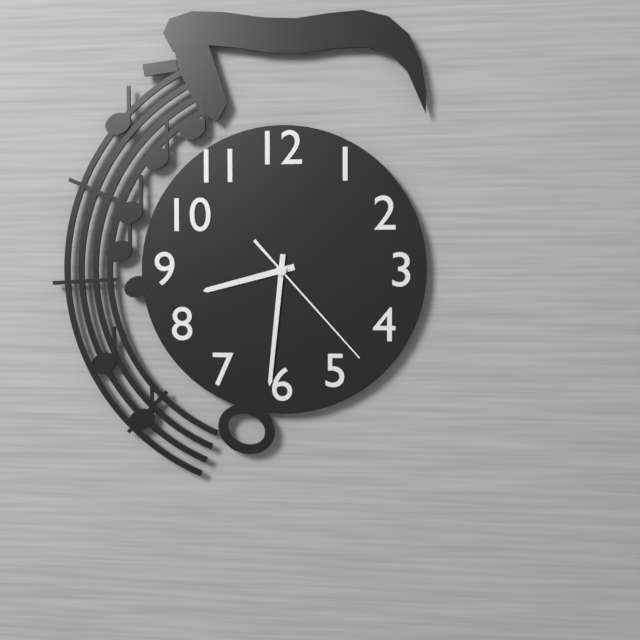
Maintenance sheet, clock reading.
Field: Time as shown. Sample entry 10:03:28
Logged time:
8:31:23
